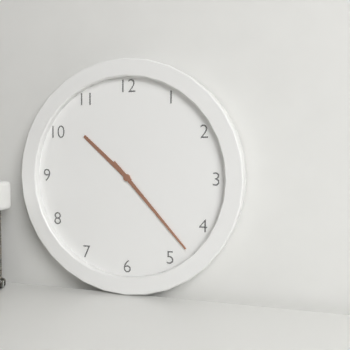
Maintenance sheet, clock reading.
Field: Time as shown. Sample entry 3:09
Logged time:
10:23
